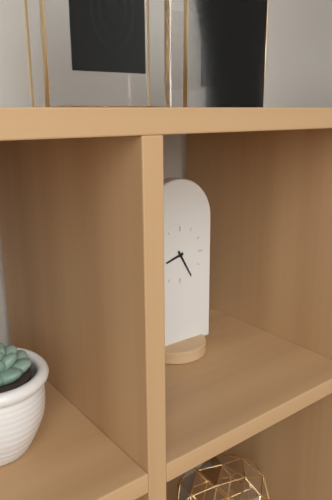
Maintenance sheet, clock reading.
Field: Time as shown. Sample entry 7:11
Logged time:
8:25
